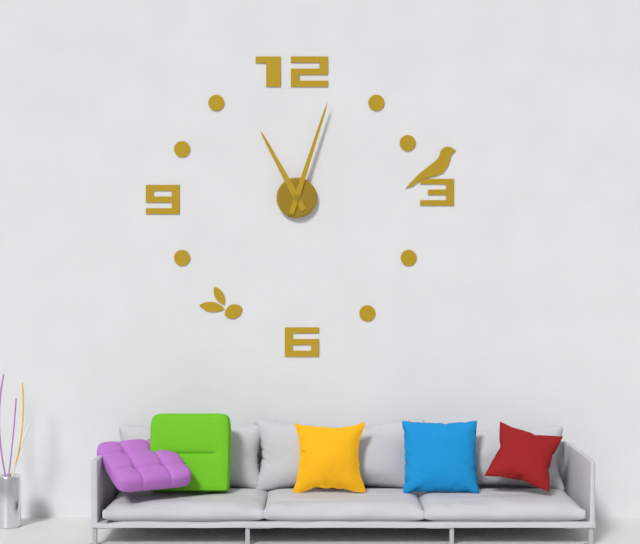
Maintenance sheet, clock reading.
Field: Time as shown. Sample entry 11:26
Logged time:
11:03
